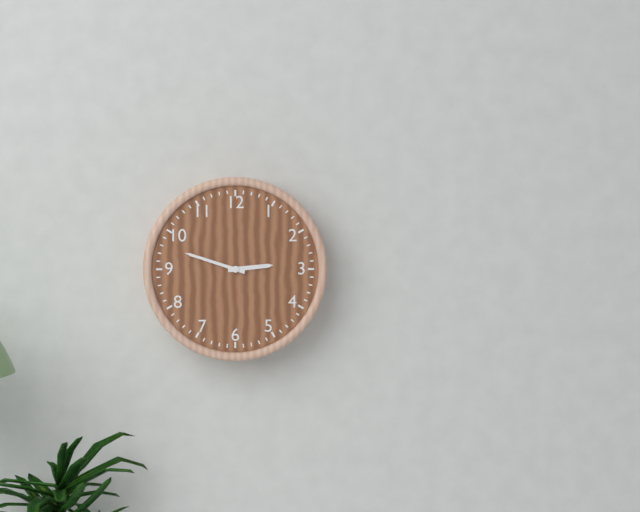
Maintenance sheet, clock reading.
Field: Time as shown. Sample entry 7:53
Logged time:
2:48
